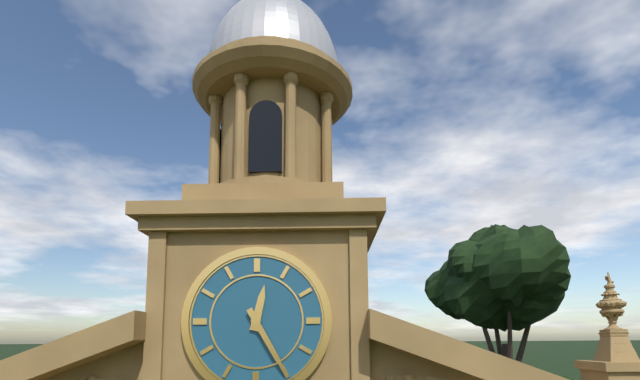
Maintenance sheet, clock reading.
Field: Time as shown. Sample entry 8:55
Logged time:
12:25
